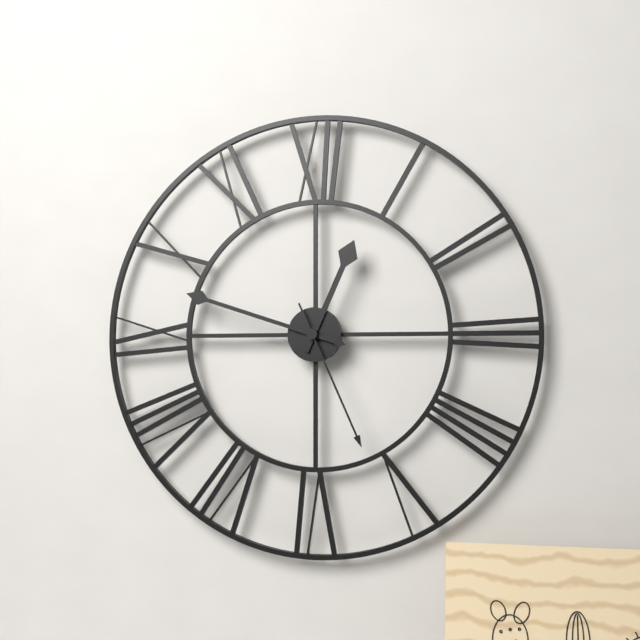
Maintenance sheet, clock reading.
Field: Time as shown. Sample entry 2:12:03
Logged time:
12:48:26
